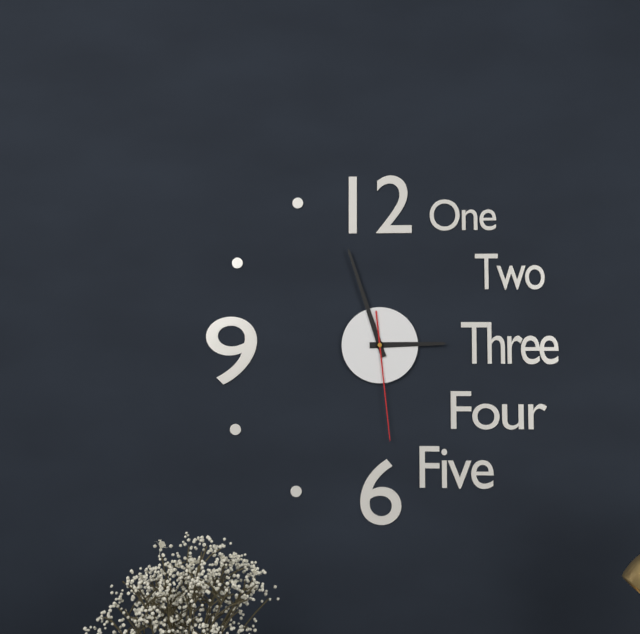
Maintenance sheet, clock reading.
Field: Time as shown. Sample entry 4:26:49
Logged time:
2:57:29
